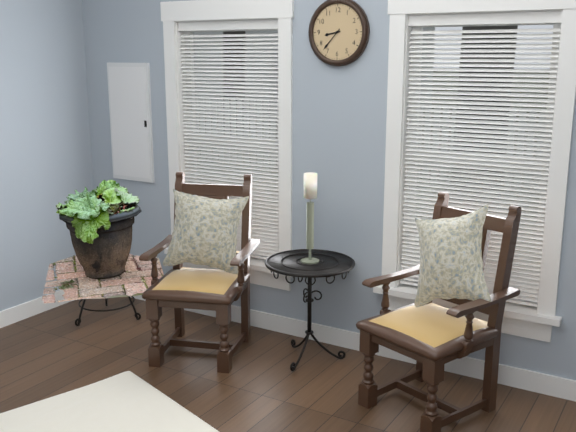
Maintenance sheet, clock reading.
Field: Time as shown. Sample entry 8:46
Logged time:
8:37
